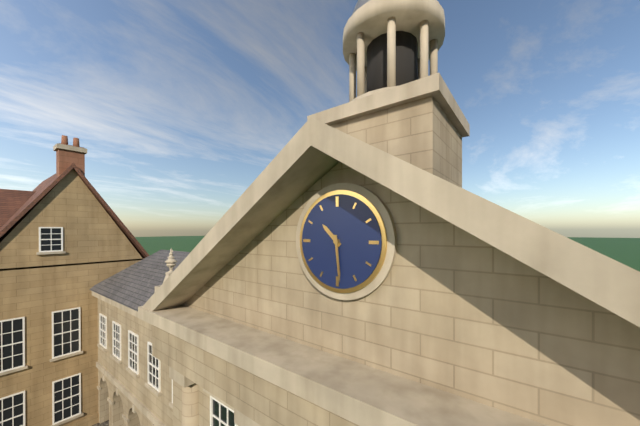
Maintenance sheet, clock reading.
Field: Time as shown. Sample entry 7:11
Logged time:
10:29
